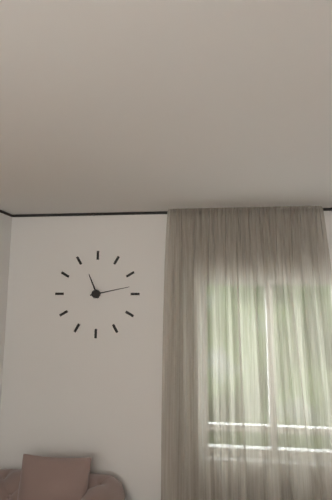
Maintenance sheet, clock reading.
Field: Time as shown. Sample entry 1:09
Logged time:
11:13
